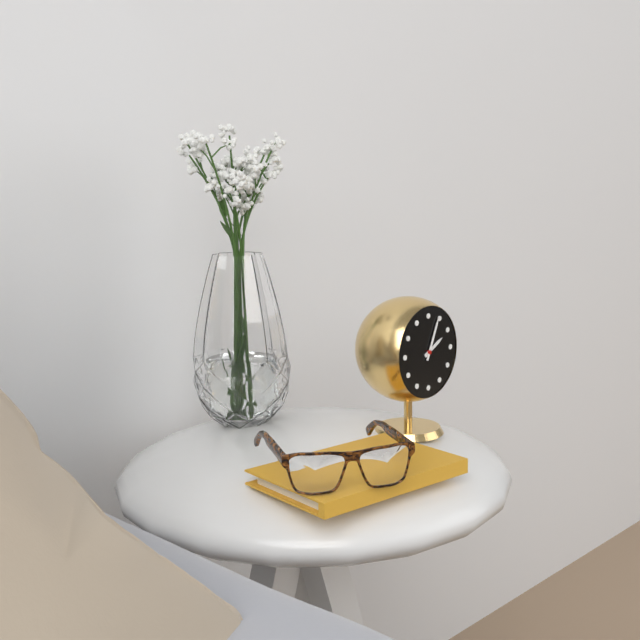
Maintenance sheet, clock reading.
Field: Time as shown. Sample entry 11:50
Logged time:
2:04
